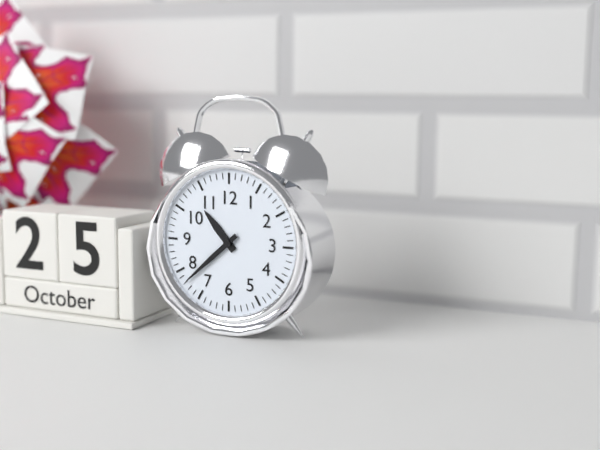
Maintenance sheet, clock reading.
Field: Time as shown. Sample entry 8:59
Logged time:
10:38
